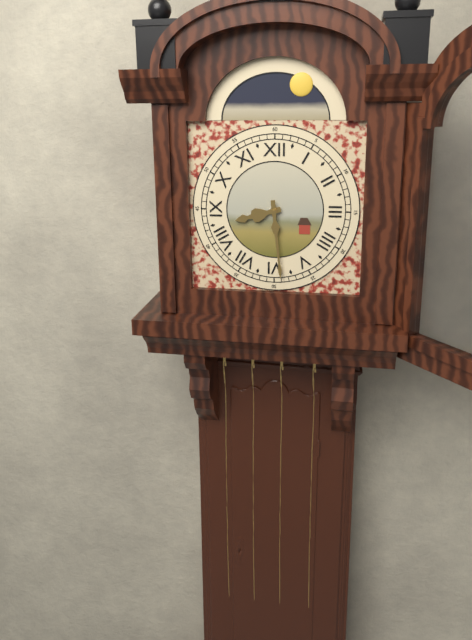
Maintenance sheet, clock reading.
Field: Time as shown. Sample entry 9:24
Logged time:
8:29
